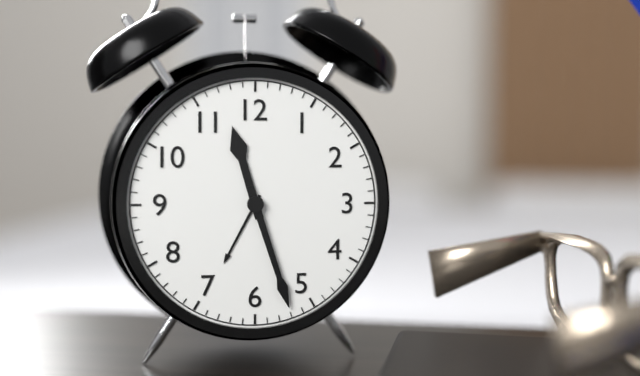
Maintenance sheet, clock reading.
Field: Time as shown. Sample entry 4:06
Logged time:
11:27
